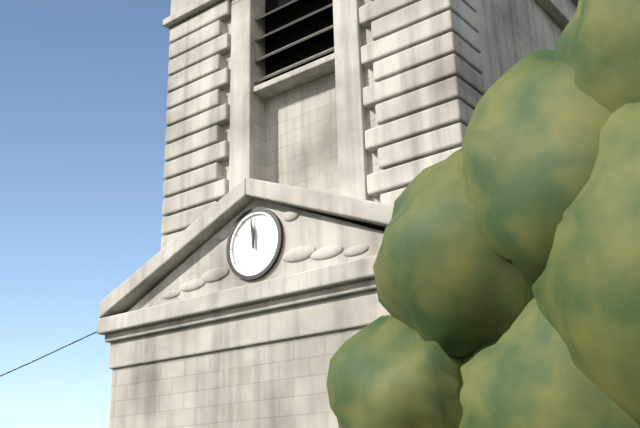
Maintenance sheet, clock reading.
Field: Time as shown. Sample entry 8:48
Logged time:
11:59
